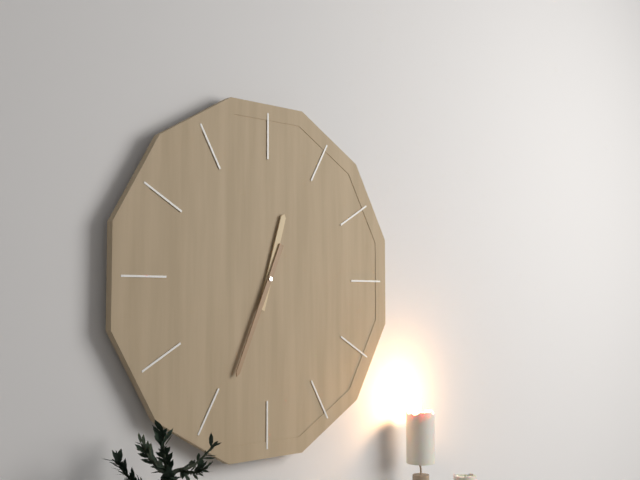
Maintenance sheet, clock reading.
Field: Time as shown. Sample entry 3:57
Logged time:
12:34
